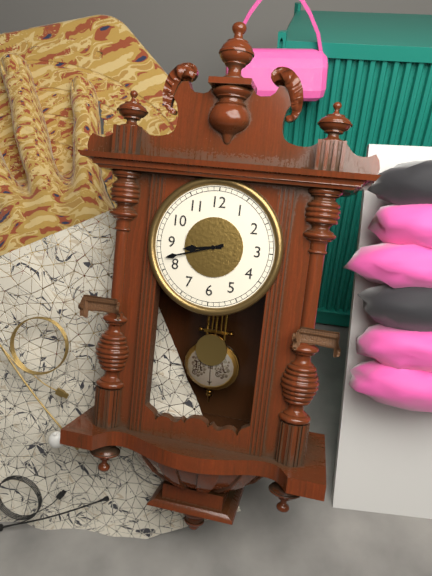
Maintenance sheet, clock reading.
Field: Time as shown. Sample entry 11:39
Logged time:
8:42
